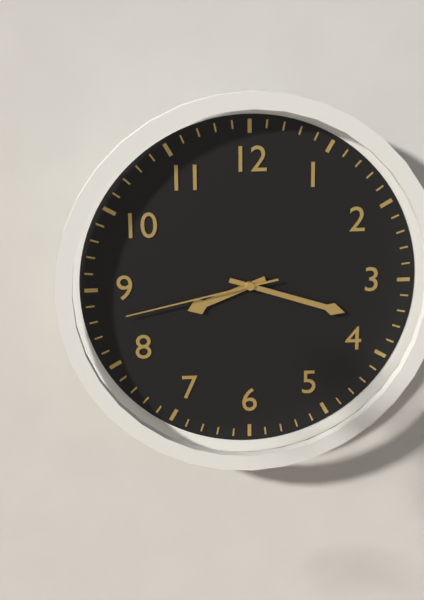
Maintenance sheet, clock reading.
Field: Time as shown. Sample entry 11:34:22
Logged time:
8:18:43
